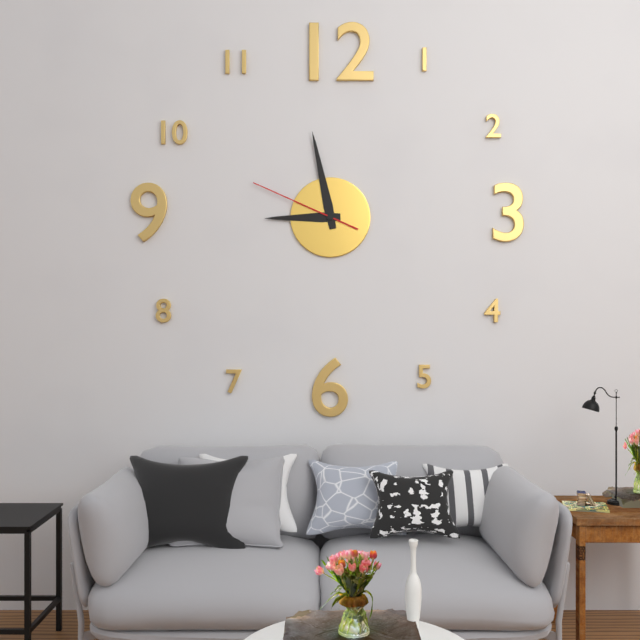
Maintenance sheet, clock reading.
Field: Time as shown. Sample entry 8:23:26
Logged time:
8:58:49
